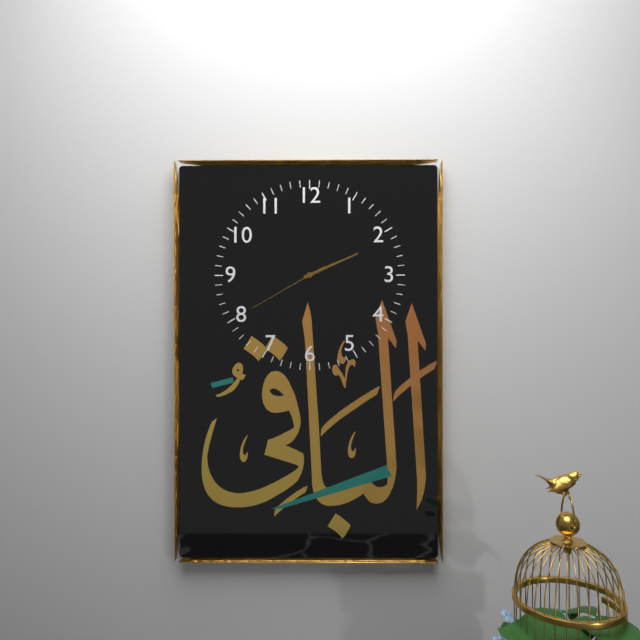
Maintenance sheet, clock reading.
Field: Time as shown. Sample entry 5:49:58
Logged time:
2:11:40
